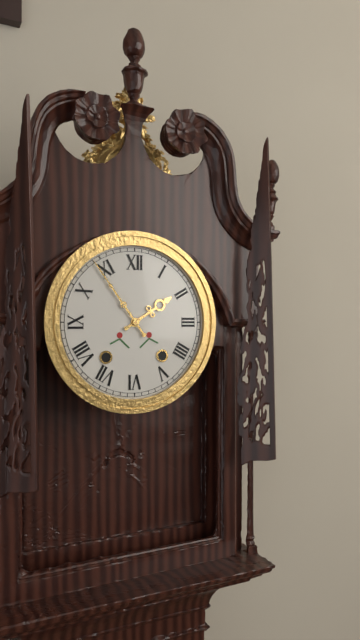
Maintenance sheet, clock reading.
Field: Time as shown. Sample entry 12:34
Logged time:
1:54
